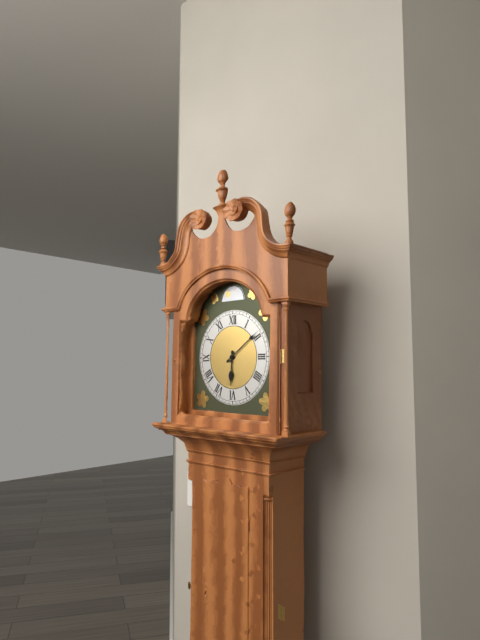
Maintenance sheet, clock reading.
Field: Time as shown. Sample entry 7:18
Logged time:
6:09
